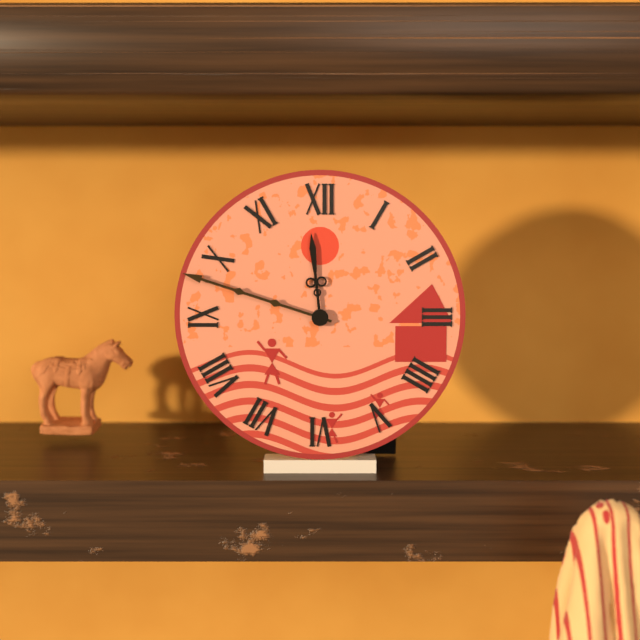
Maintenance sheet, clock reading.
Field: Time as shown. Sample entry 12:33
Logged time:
11:48
